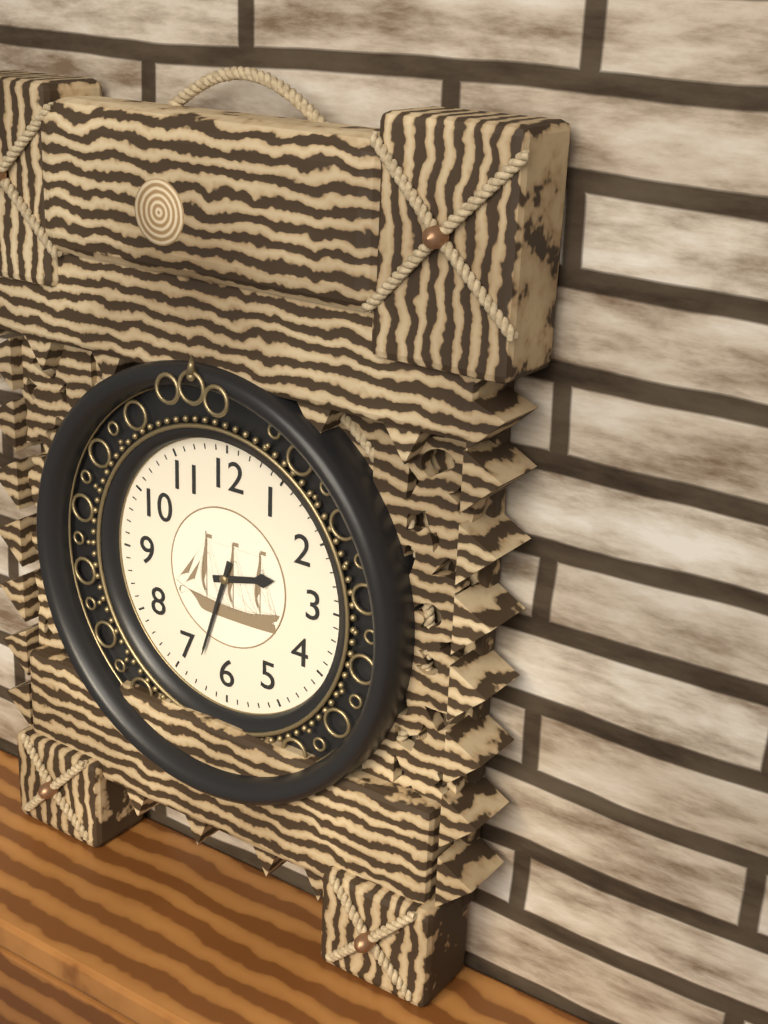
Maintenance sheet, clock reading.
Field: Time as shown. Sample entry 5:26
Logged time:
2:33
